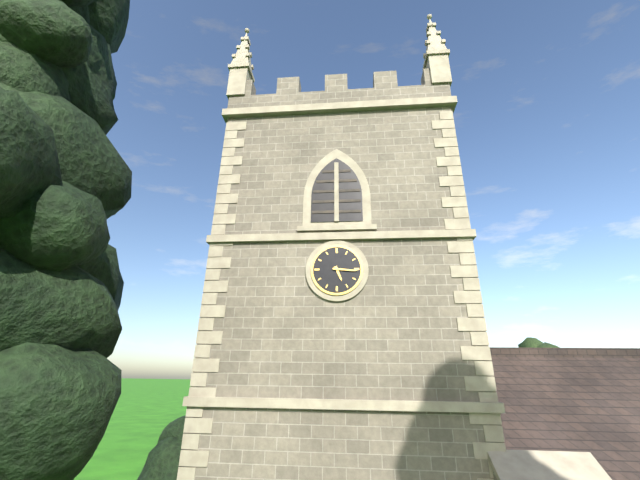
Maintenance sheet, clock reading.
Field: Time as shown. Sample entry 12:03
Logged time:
5:16
